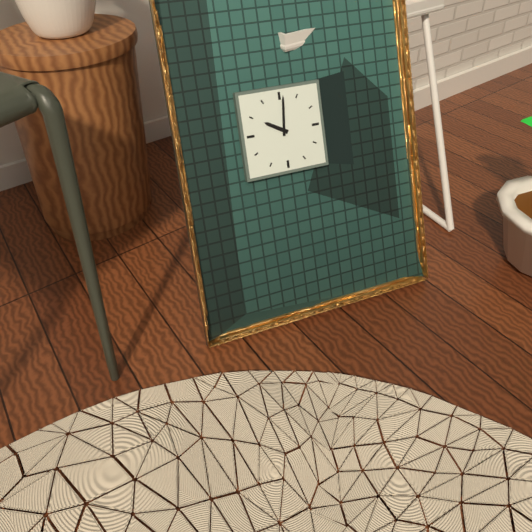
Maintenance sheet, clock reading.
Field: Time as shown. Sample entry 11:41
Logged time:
10:01
